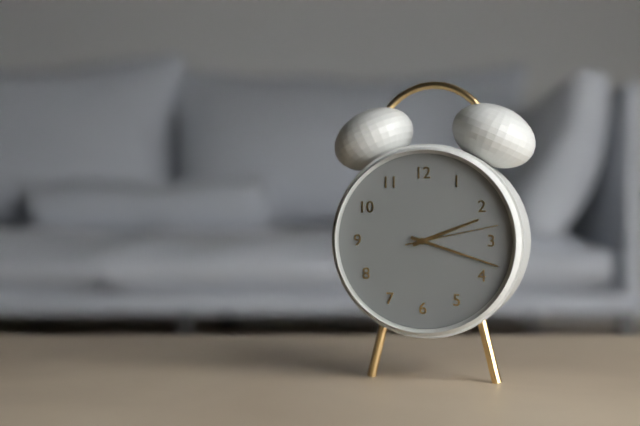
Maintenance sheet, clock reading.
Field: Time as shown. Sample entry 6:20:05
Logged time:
2:18:13
